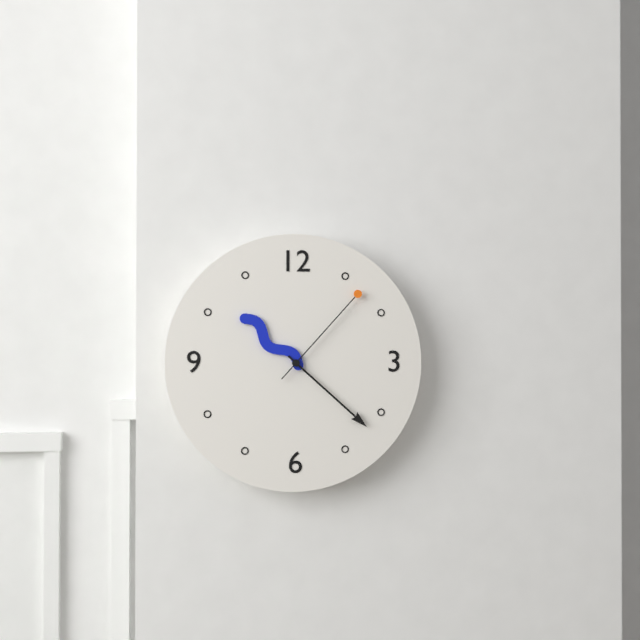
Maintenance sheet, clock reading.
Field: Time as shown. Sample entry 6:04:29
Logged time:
10:22:07
